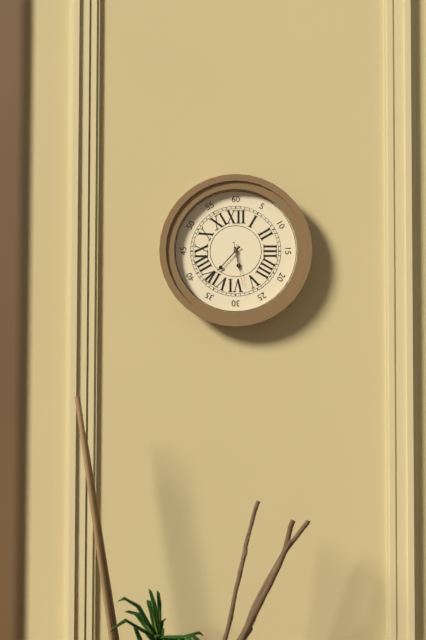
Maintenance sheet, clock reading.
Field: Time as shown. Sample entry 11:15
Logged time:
5:37
